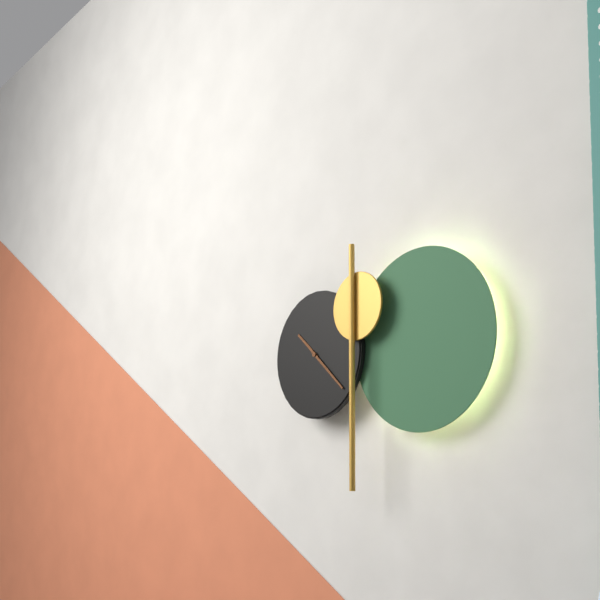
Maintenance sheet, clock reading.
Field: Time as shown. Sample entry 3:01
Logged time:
10:22
